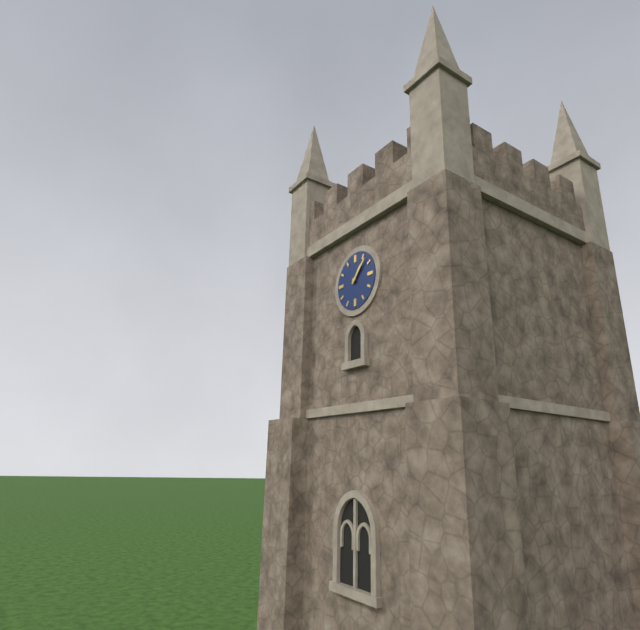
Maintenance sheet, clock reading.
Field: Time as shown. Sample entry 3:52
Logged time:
1:07
